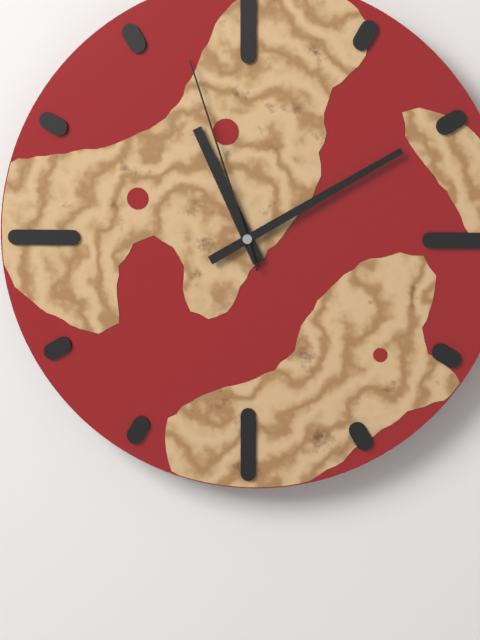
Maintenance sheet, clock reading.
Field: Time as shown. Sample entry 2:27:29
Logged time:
11:10:57
